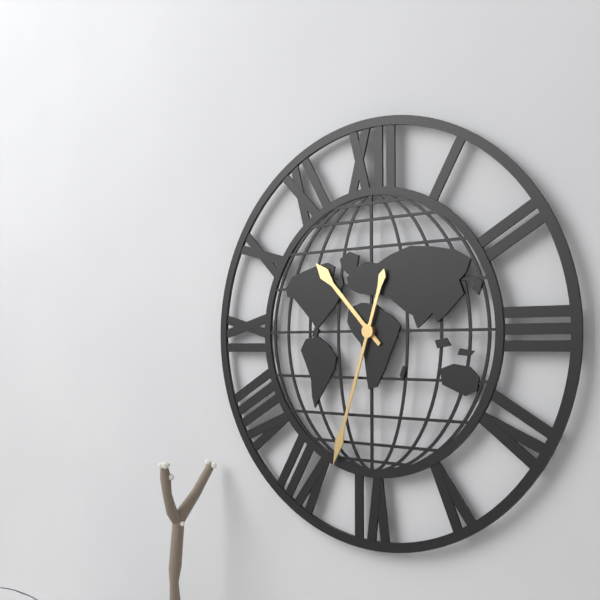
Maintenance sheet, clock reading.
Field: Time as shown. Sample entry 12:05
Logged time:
10:33
